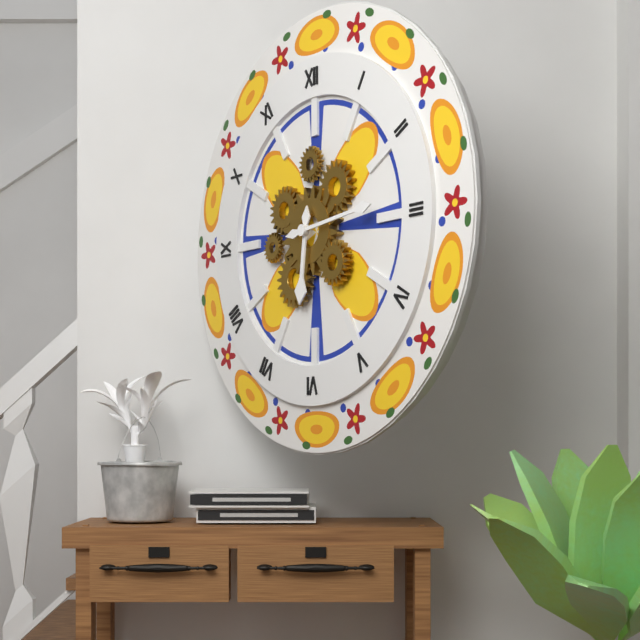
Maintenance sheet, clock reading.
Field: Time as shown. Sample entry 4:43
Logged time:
6:14
